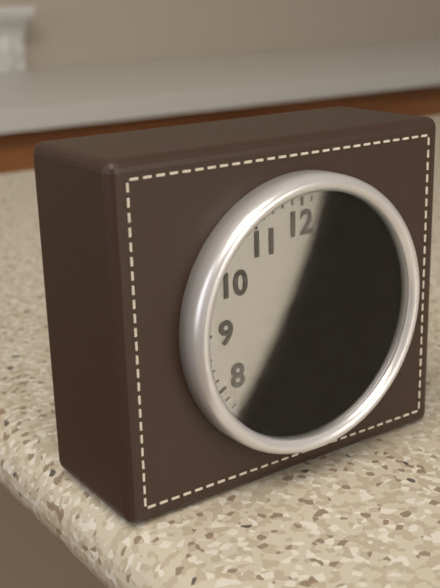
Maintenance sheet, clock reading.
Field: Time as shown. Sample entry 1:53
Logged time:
3:20
